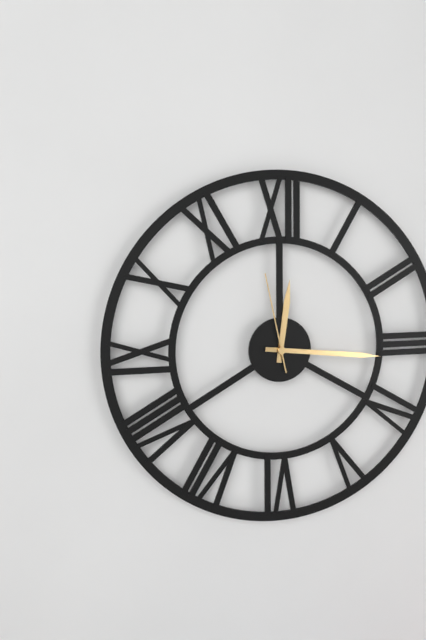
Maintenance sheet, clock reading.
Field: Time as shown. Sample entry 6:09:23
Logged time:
12:16:58
